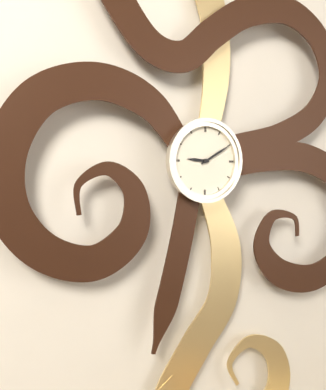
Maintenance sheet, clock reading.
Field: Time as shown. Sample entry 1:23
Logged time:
9:10
